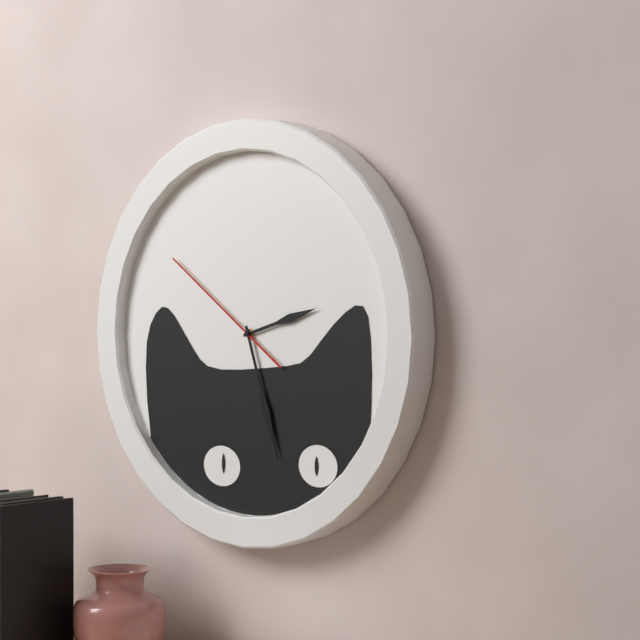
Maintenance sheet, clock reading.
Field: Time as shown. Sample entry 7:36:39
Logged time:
2:27:51
